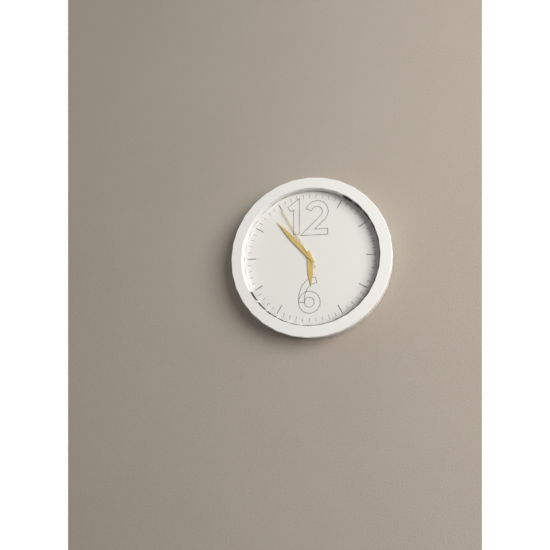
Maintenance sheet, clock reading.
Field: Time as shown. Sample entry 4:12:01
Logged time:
5:53:55
